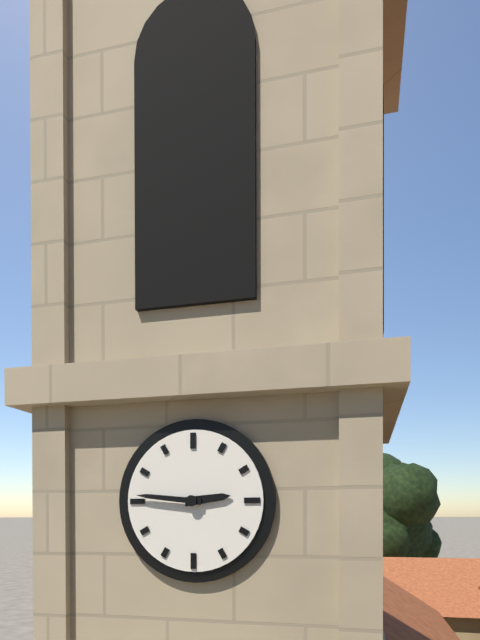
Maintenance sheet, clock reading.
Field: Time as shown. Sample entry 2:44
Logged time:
2:46
